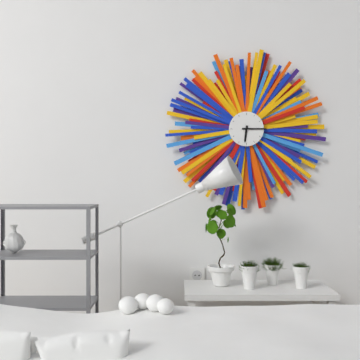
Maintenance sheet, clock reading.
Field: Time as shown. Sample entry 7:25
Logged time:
6:15
